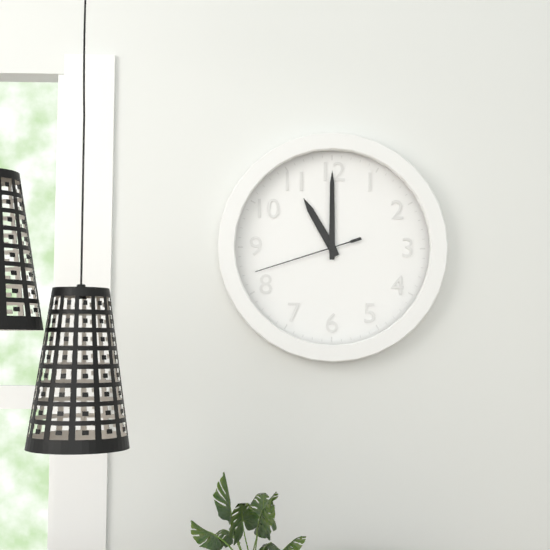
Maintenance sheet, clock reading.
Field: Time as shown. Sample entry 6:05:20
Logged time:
11:00:42
